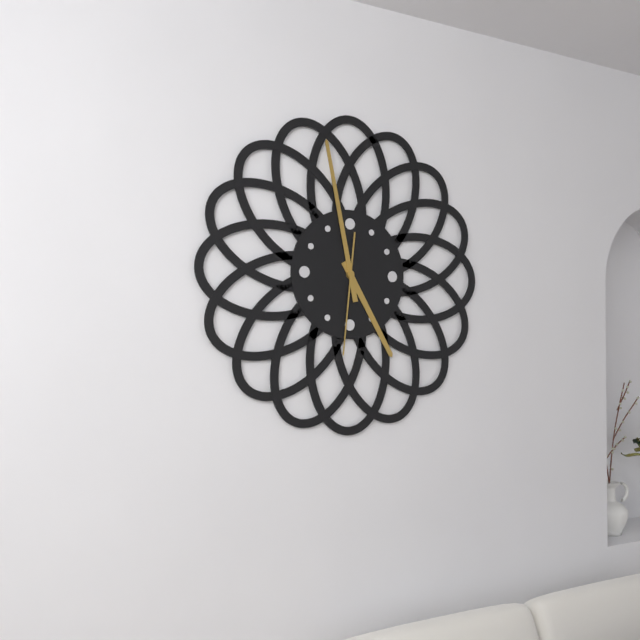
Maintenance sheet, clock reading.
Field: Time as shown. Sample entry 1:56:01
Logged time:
4:58:31
